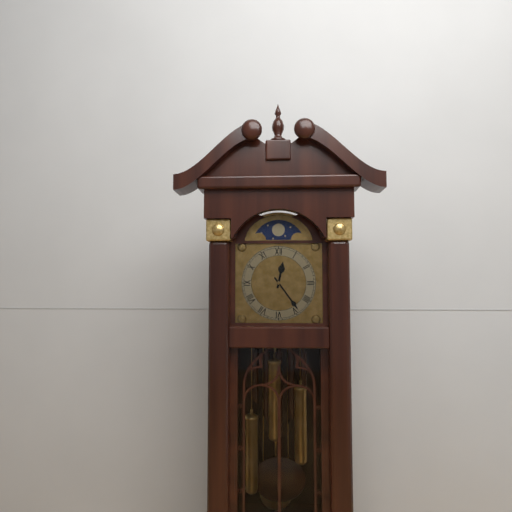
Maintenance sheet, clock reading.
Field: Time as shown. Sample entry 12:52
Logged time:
12:24
